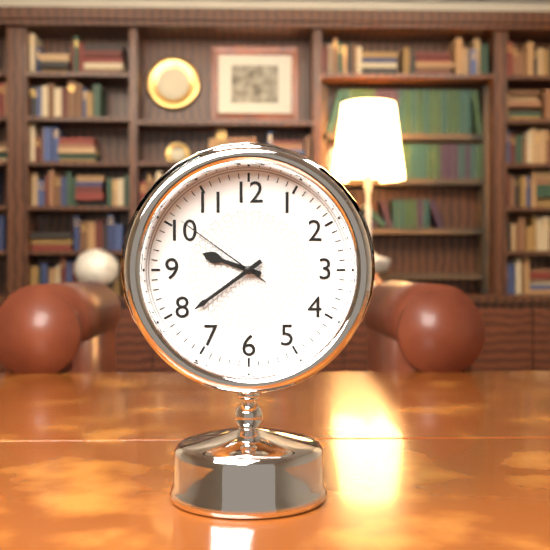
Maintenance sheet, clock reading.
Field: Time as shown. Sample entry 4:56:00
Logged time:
9:39:51
